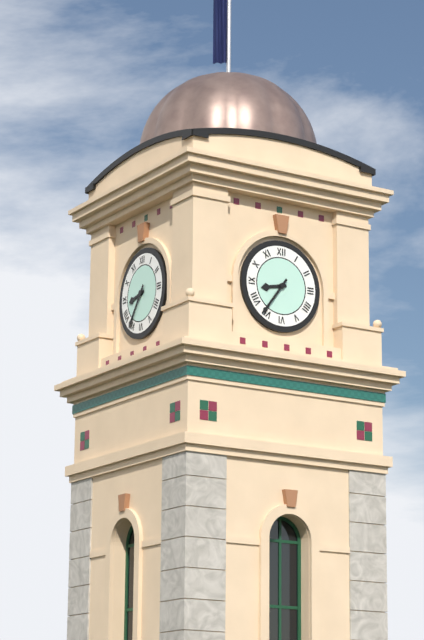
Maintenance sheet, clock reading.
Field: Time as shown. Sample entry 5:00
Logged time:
8:36
